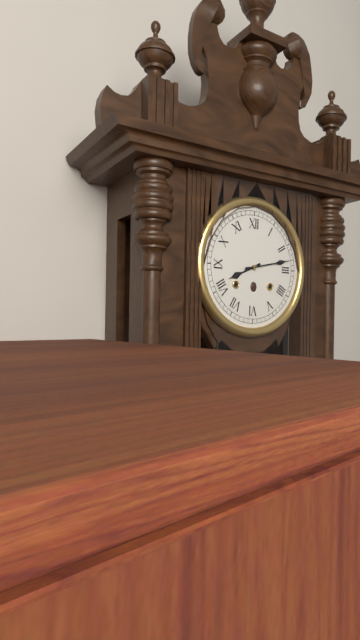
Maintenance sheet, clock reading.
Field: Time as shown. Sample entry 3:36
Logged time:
8:13
